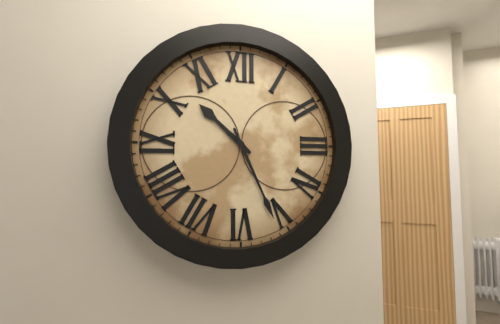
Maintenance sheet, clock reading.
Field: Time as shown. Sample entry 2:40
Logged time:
10:26
